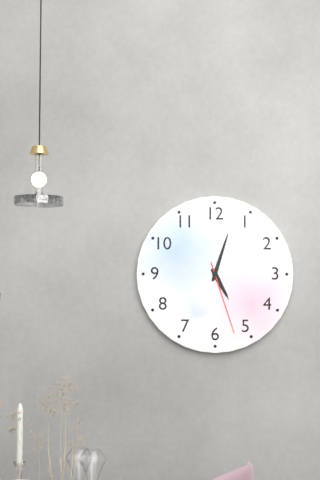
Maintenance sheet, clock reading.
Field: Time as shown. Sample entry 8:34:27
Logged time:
5:03:27
